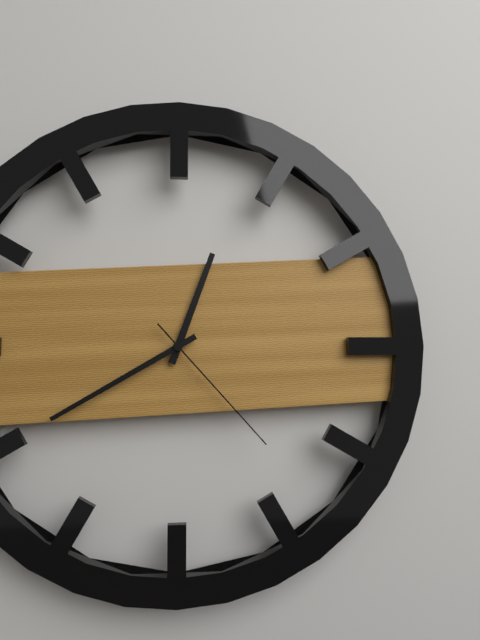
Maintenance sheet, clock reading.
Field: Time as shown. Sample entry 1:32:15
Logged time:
12:40:23
